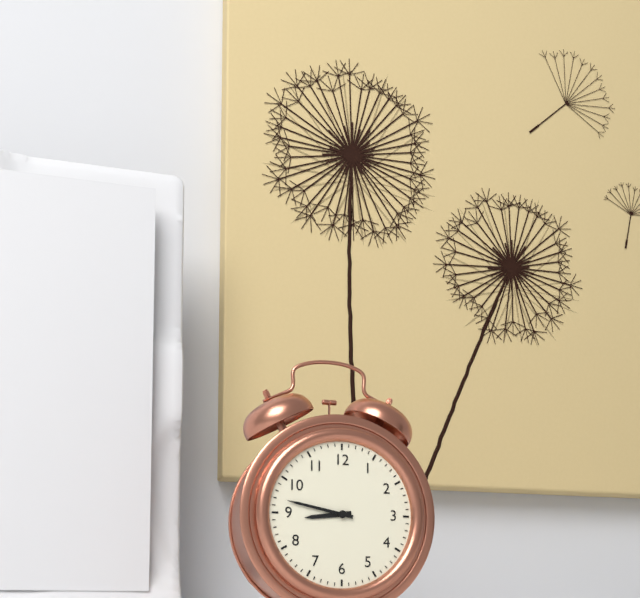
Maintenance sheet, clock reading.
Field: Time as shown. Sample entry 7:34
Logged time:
8:47
